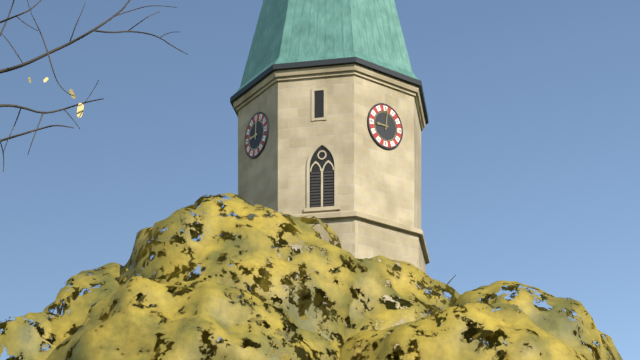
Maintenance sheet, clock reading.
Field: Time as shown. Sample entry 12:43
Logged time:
9:01
